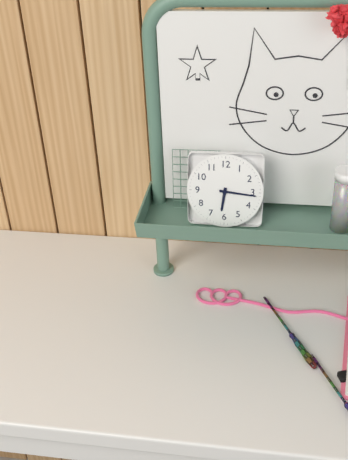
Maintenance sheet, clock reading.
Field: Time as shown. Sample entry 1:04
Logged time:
6:16
